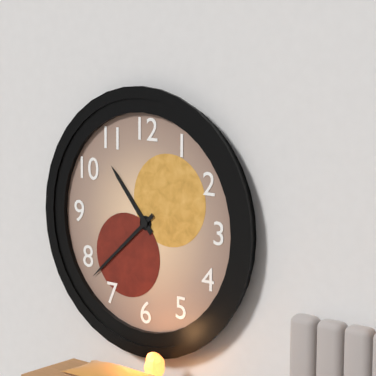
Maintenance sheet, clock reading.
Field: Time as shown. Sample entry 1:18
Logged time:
10:38
